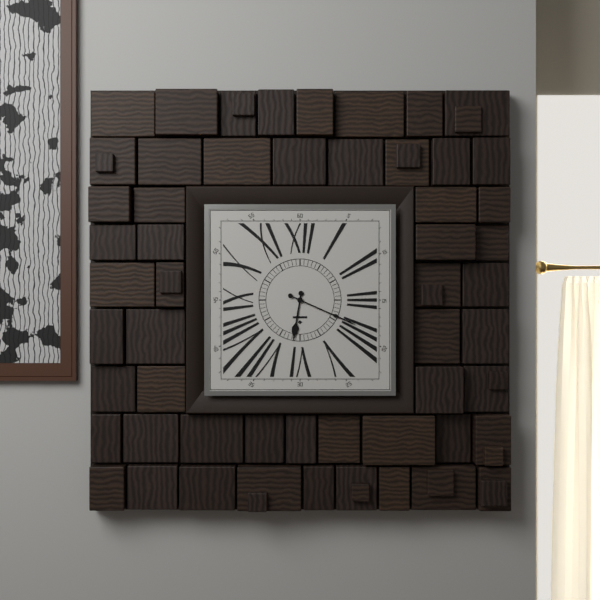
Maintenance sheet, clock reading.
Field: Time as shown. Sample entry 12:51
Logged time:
6:19
